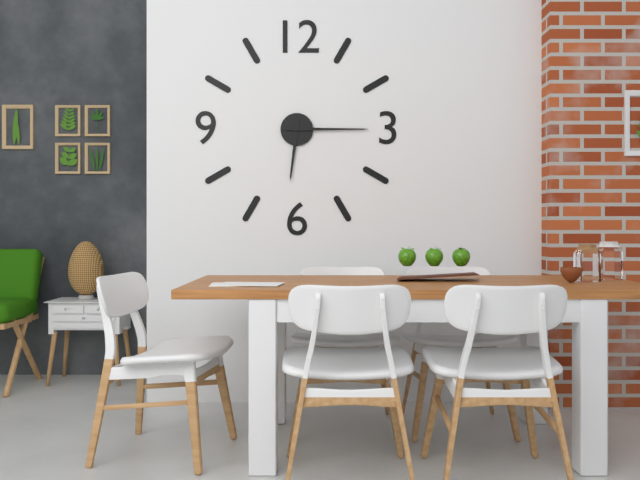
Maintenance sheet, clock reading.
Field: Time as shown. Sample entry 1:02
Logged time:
6:15
